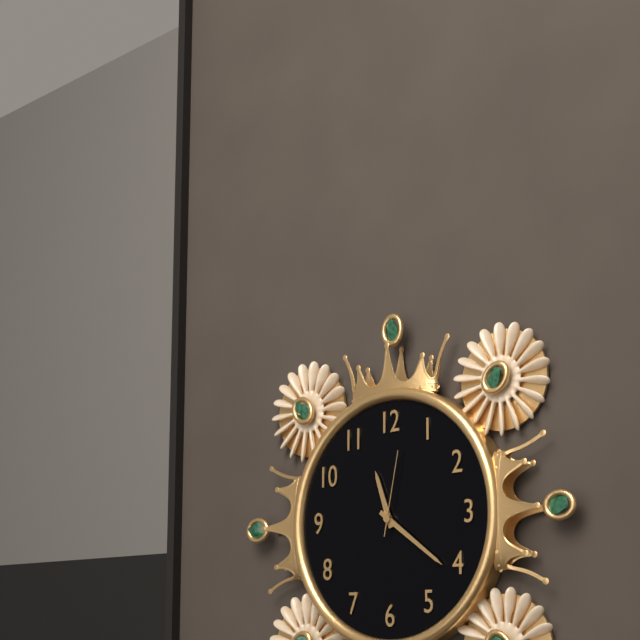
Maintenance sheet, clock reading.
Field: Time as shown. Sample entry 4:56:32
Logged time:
11:21:02
